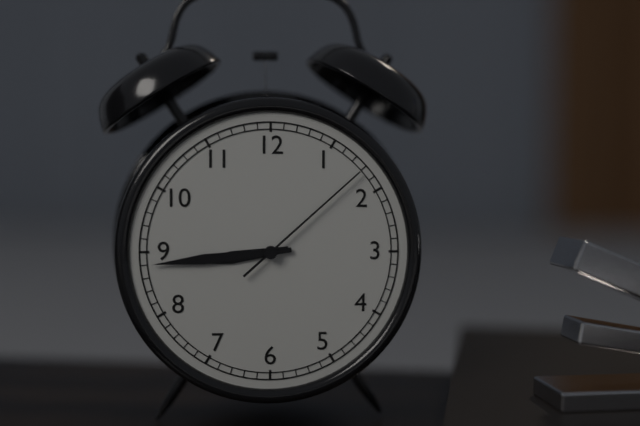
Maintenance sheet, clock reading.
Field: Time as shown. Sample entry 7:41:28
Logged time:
8:44:08
